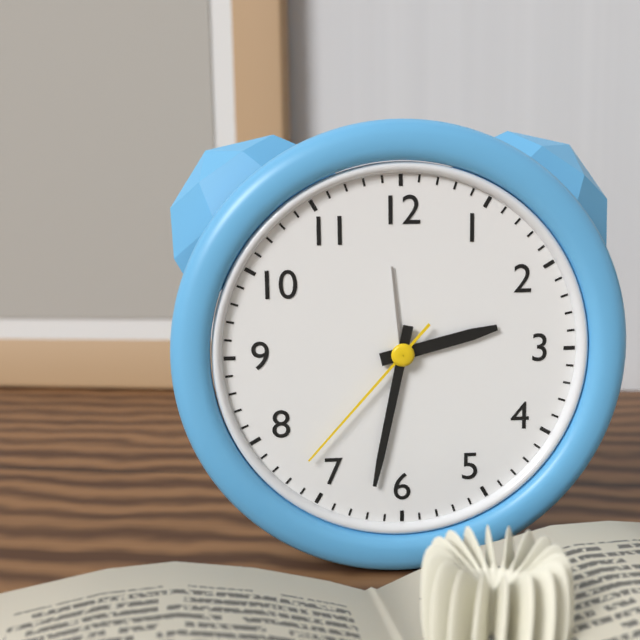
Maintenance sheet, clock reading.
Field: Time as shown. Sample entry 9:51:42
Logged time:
2:32:37
